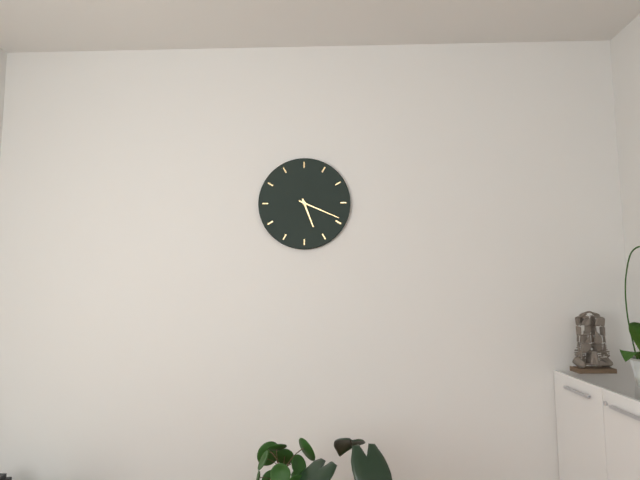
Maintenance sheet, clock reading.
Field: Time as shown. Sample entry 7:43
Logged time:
5:19
